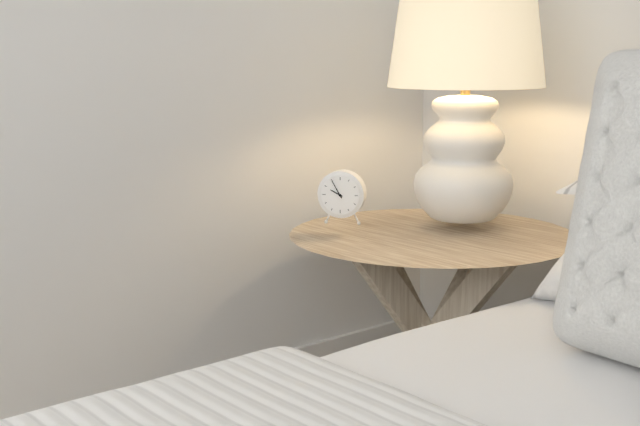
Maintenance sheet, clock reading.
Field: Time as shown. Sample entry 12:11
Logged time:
9:55
